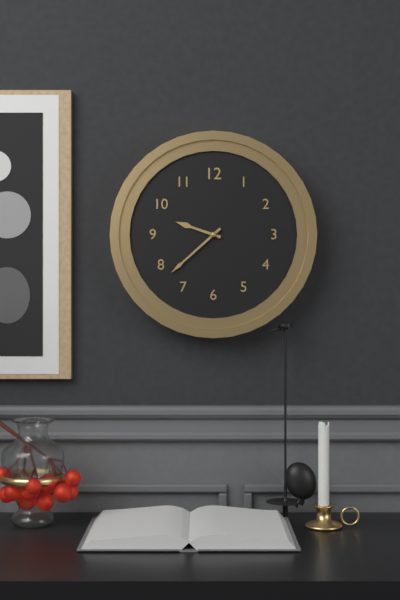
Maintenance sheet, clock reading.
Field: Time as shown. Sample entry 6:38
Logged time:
9:38
